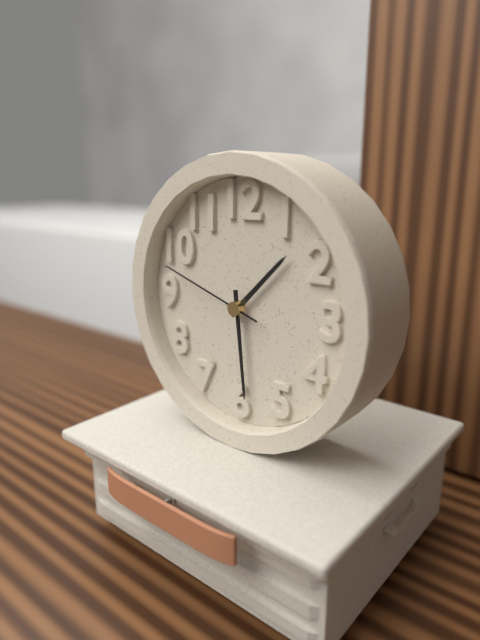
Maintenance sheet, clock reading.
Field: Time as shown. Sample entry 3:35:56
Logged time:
1:29:48
